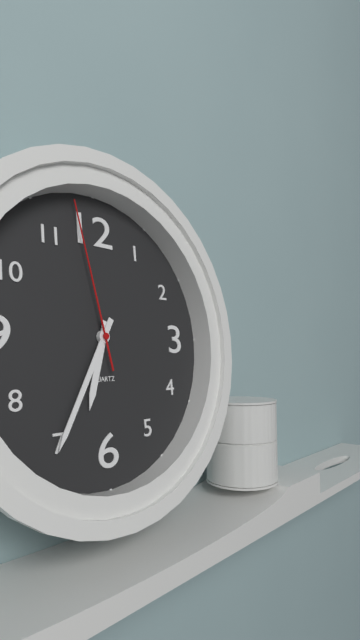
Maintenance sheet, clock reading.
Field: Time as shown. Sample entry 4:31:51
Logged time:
6:35:58
